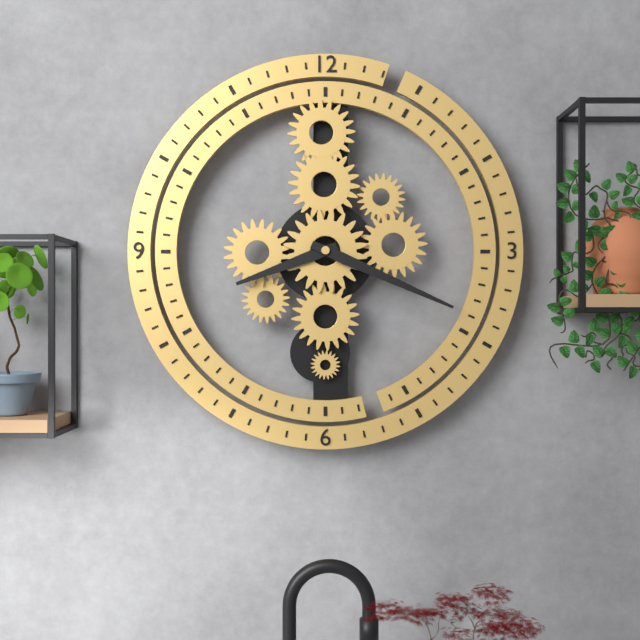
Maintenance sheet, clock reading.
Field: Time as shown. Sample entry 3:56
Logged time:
8:19
